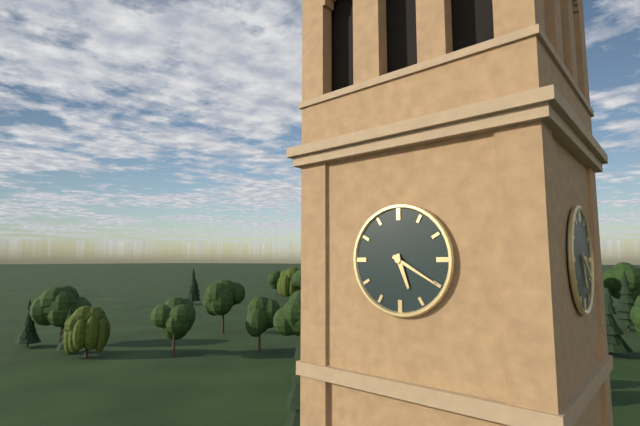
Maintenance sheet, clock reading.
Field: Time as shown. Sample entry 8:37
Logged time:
5:20
